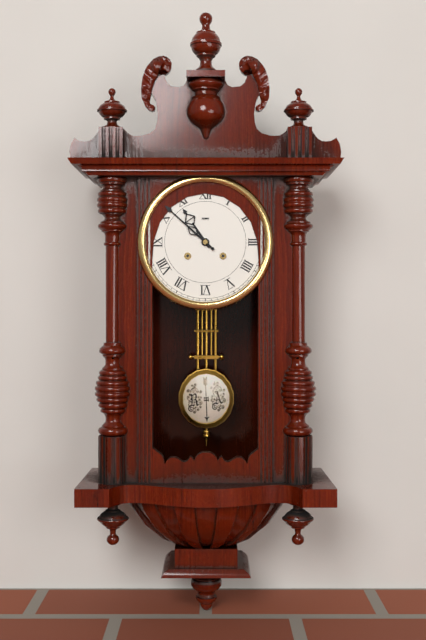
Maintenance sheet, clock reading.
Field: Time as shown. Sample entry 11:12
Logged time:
10:52
